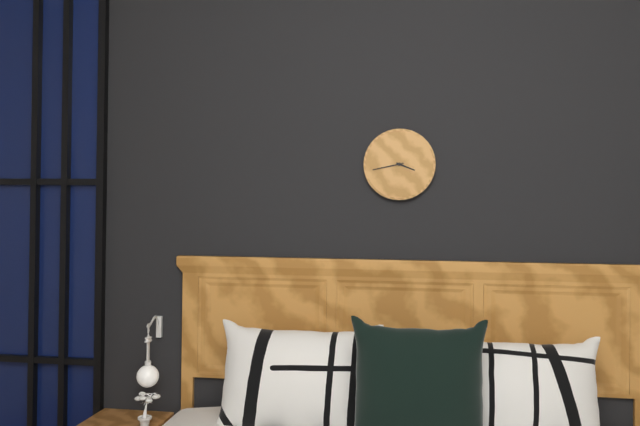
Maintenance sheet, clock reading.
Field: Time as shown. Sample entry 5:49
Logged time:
3:43
